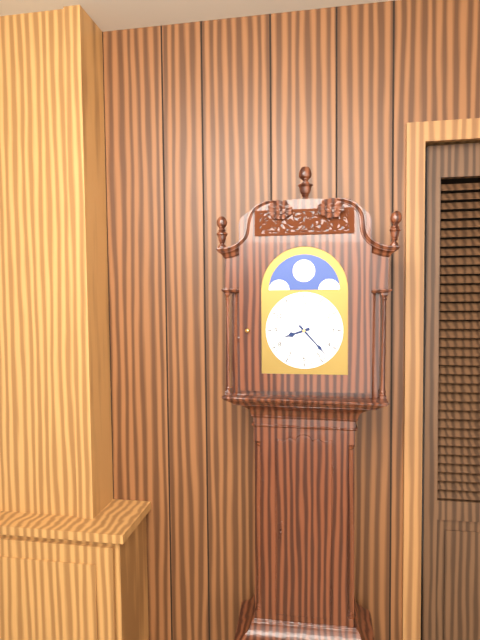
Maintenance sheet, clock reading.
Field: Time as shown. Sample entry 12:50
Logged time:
8:23
